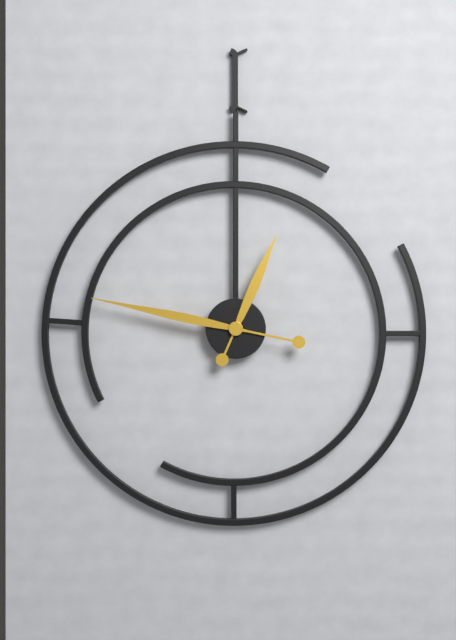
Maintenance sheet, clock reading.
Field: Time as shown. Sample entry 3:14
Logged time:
12:47
